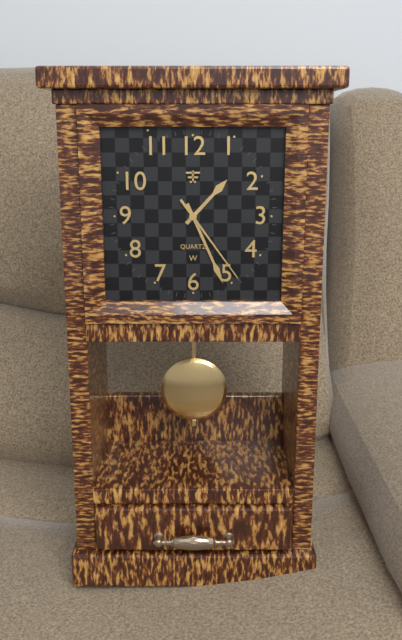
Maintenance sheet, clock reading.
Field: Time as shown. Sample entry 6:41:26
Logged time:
1:26:24
